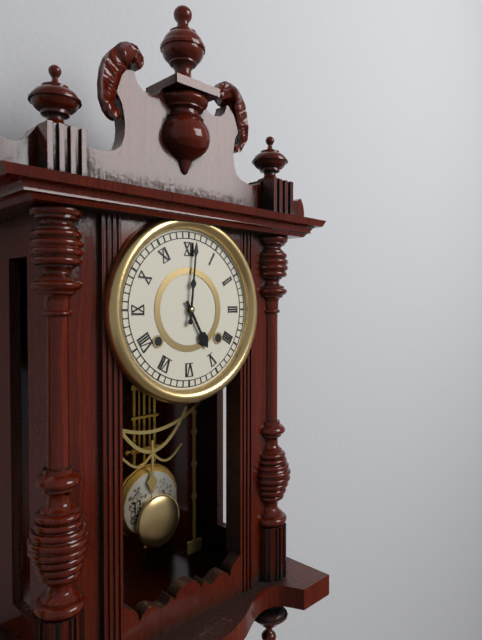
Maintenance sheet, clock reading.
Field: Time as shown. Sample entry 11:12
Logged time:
5:01
